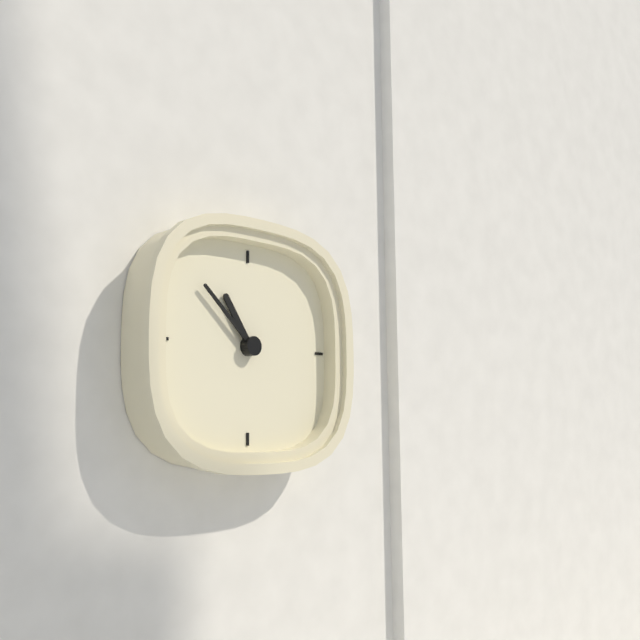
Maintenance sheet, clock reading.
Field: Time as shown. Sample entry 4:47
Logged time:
10:52
